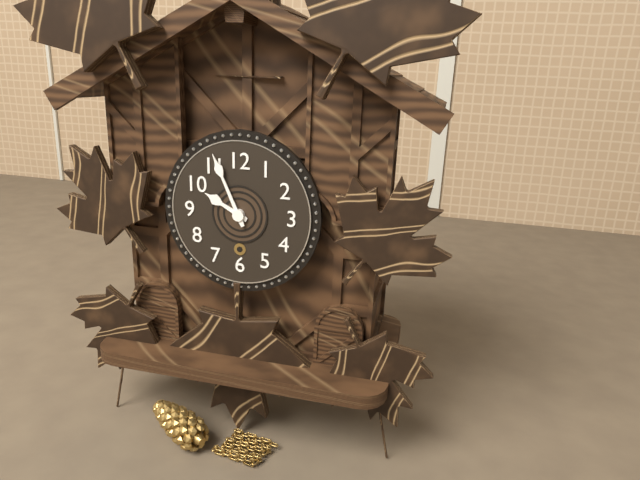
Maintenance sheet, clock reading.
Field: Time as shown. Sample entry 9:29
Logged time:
9:56
